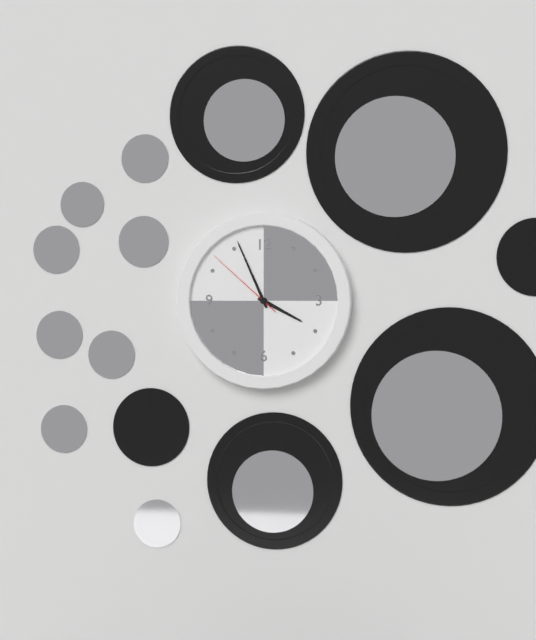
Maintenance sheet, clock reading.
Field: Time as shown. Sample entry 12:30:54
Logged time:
3:56:52
